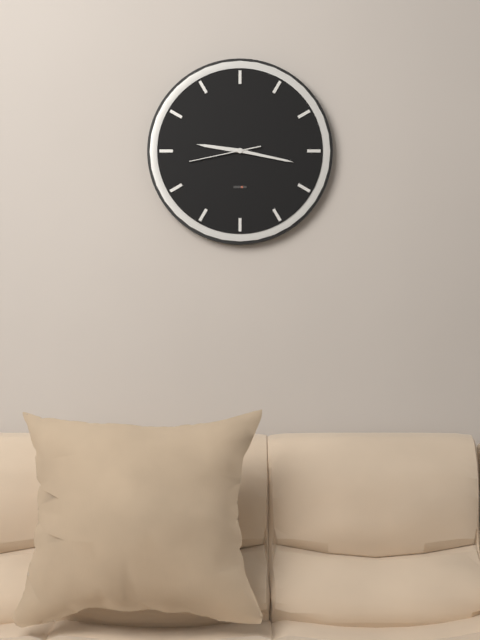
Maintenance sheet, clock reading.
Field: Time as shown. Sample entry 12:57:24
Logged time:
9:17:43
